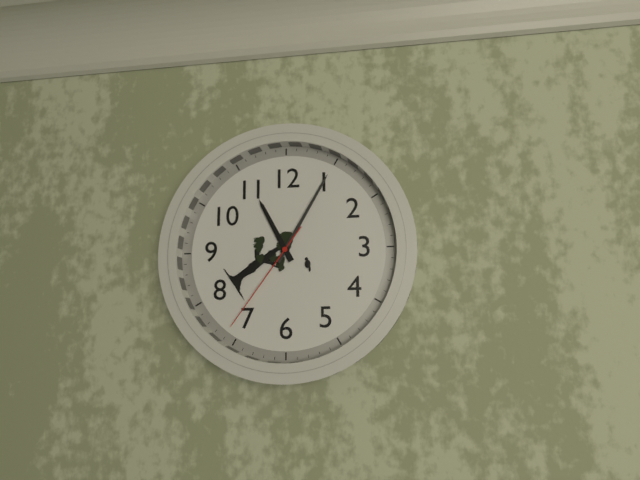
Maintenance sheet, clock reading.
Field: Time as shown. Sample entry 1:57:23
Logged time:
11:05:36
